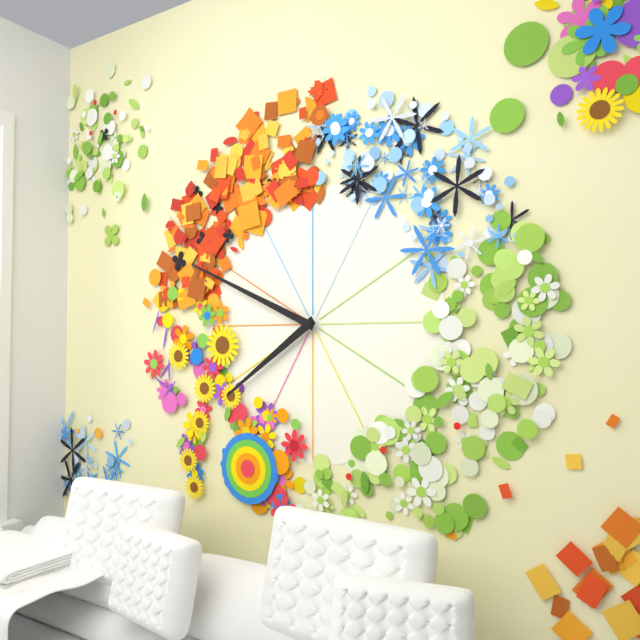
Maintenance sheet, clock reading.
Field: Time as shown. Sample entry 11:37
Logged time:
7:49
